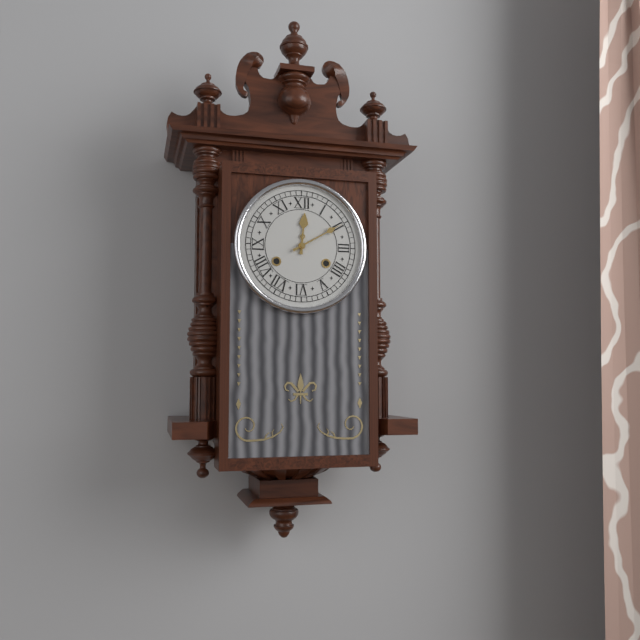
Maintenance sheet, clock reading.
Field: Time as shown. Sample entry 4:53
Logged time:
12:10
